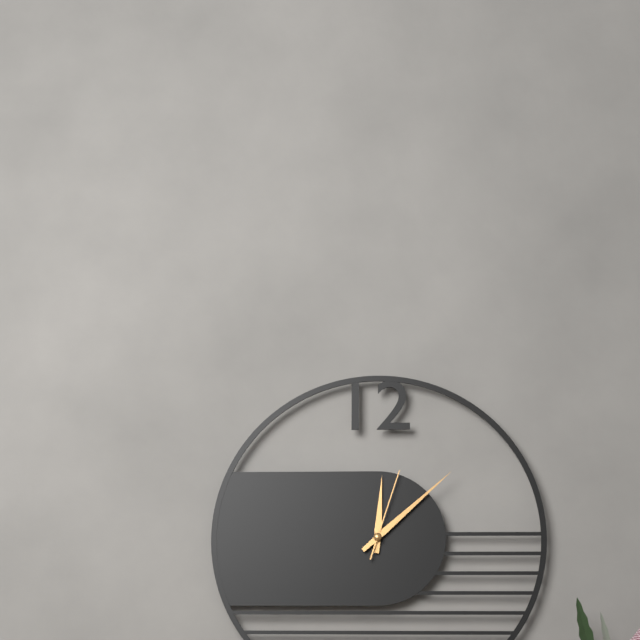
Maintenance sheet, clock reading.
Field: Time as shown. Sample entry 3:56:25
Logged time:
12:08:03
